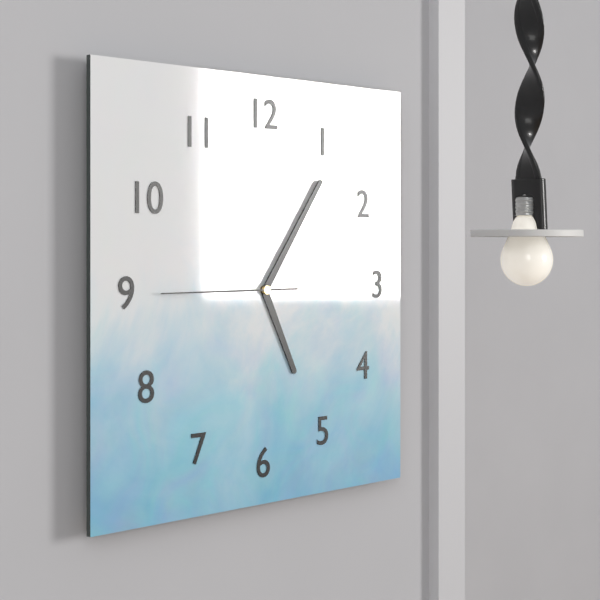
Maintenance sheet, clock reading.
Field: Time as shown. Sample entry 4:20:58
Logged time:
5:06:45
